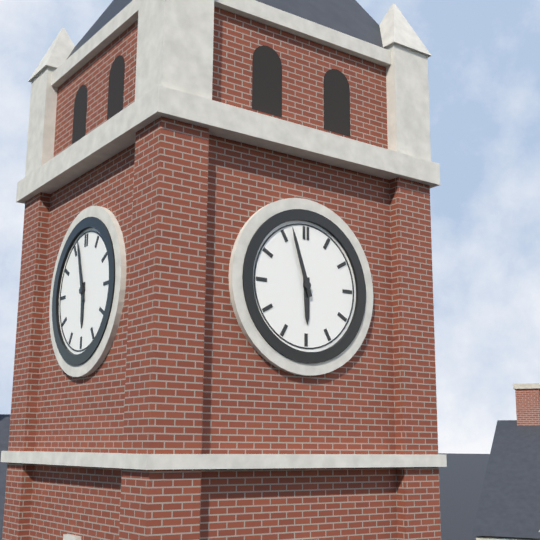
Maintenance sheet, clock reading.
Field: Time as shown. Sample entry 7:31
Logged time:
5:57
